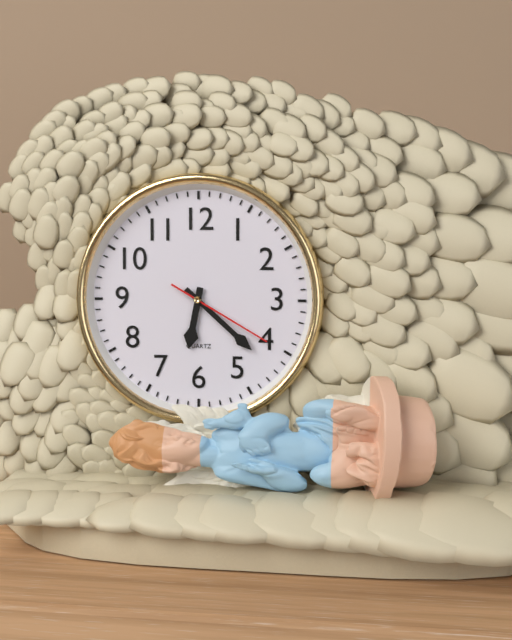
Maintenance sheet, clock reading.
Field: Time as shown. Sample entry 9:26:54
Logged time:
6:22:20
